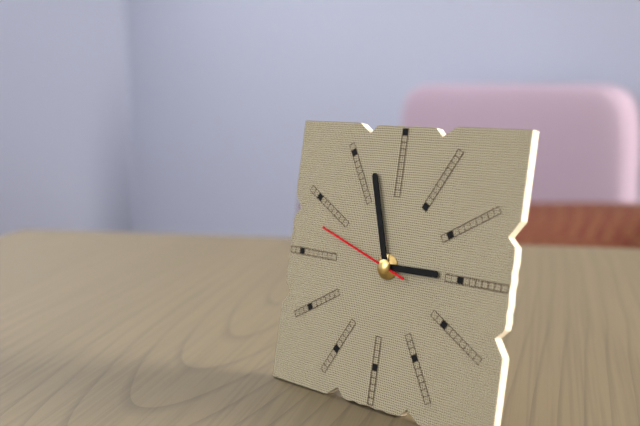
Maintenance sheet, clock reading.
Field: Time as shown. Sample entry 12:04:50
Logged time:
2:57:48
